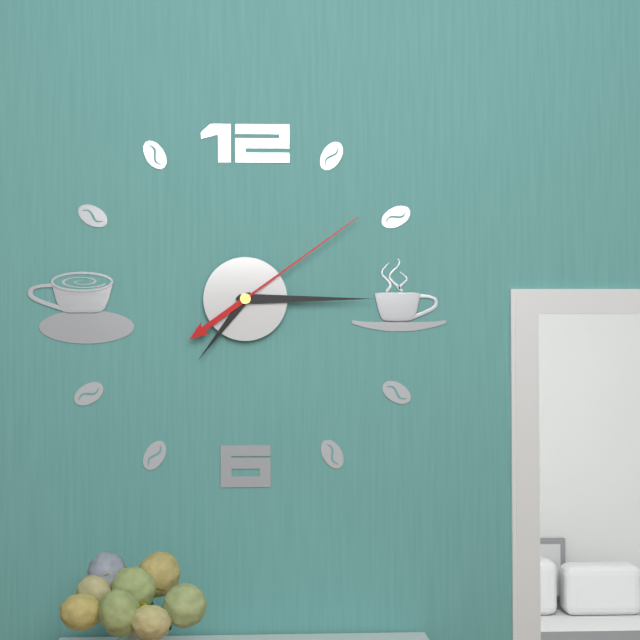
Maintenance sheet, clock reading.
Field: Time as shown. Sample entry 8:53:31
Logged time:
7:15:09
